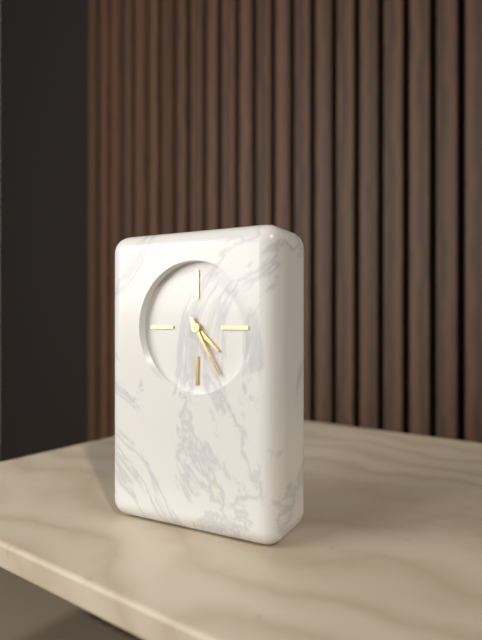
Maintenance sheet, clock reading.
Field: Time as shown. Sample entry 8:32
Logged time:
4:25
